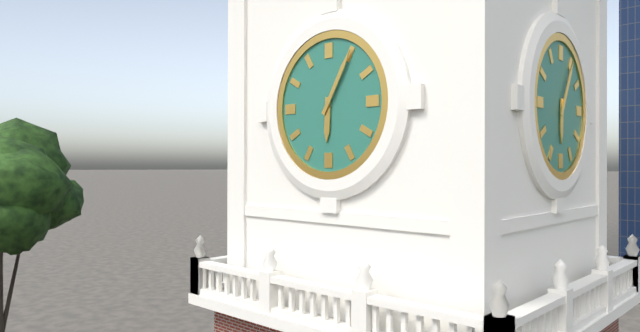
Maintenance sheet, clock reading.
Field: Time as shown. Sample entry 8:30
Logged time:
6:05
